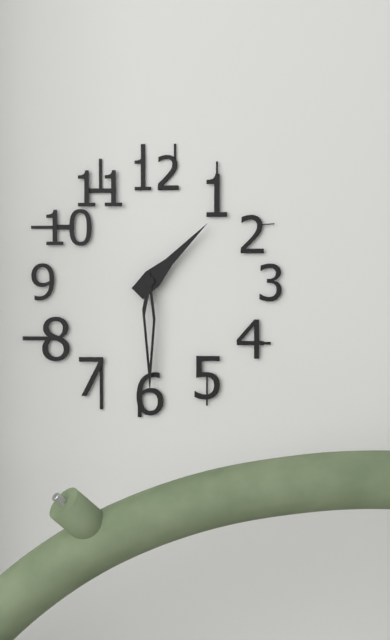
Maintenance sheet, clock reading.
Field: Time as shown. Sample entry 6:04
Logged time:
1:30
